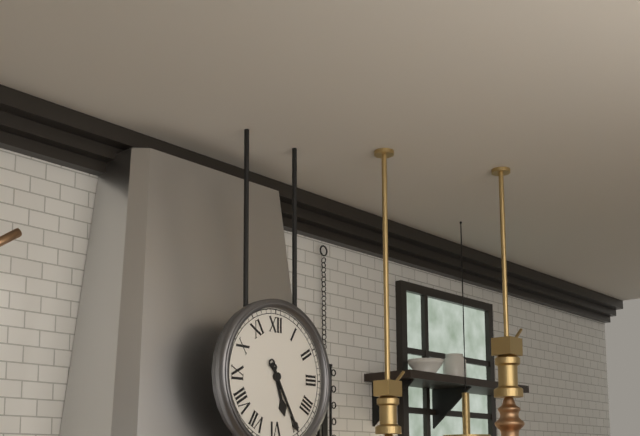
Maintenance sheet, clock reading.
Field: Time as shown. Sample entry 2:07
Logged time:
5:25
